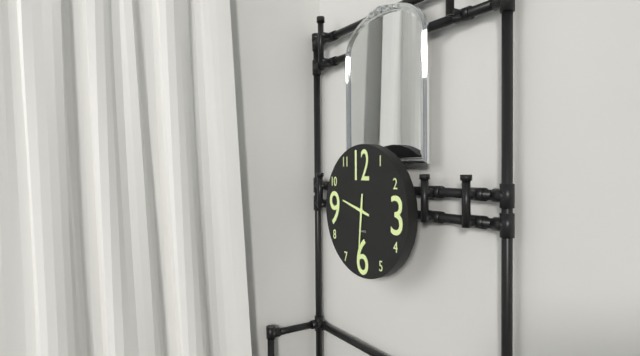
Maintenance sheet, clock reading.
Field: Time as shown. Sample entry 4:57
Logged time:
9:31
